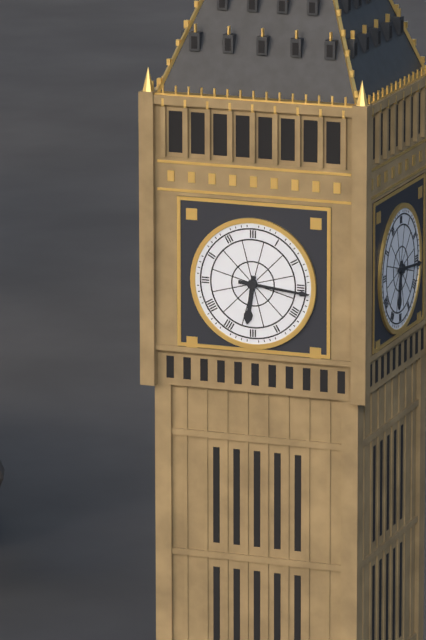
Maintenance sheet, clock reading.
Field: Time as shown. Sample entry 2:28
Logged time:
6:16
